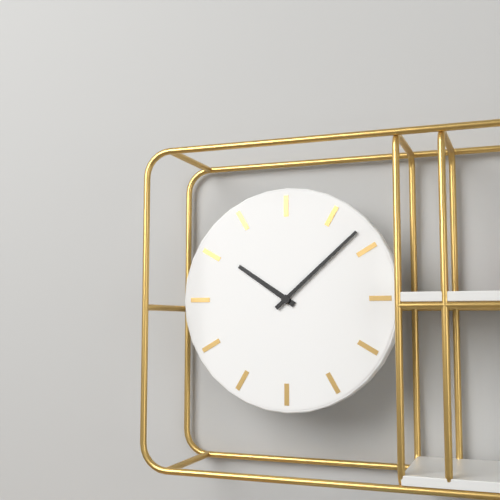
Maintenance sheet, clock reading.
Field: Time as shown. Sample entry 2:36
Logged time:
10:08
